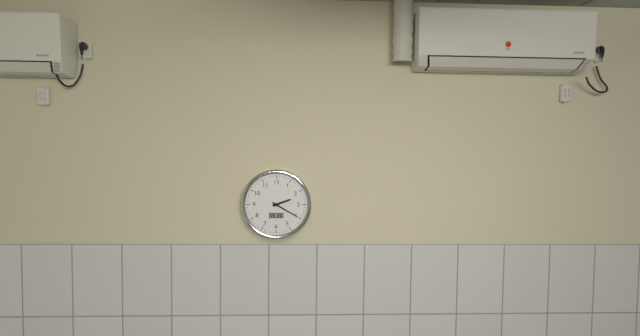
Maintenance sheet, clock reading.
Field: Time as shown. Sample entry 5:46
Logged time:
2:20
